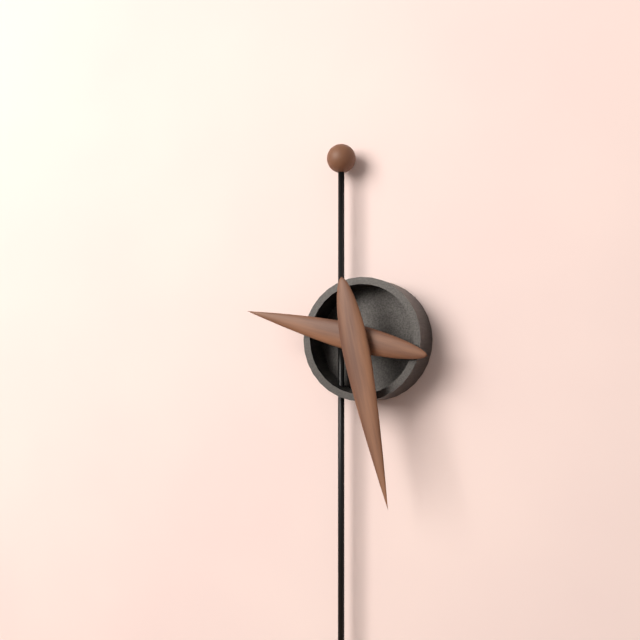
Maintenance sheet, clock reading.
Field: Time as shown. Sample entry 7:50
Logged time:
9:28
